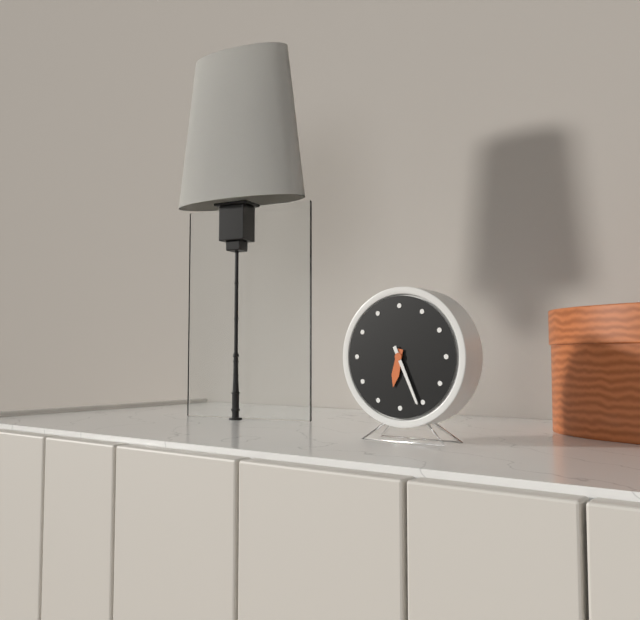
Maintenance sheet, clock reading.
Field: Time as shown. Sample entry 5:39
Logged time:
6:26
